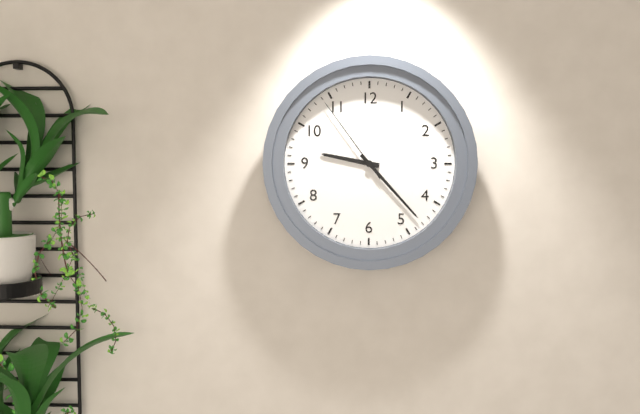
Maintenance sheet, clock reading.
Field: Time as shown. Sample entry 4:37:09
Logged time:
9:23:54
